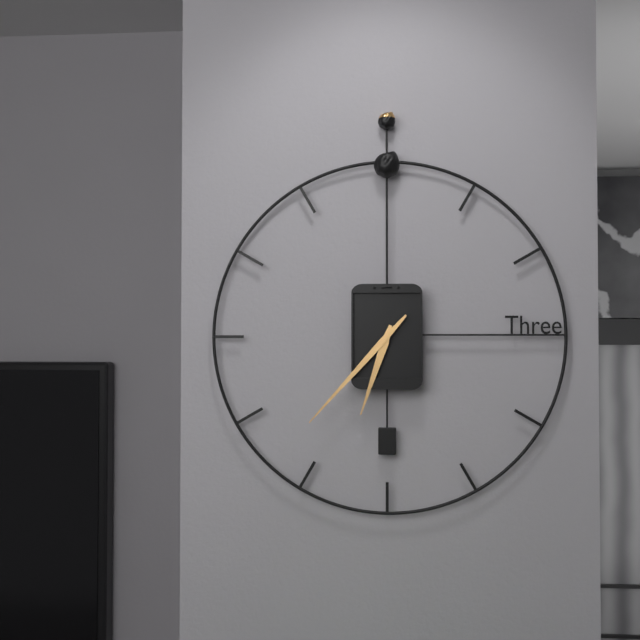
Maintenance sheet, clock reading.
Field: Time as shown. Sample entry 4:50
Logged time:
6:37
